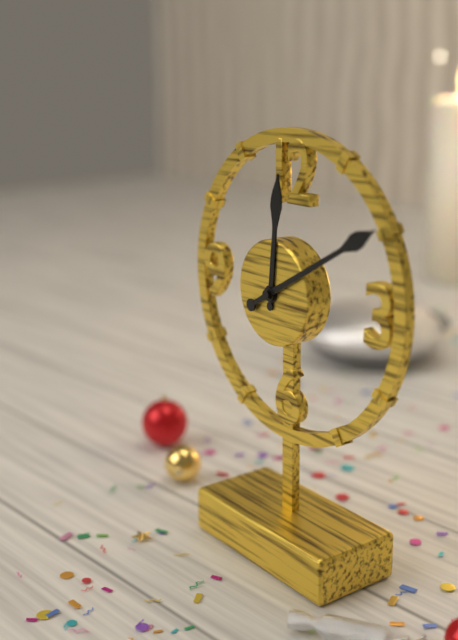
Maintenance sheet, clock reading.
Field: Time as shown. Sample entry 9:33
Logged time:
12:10
